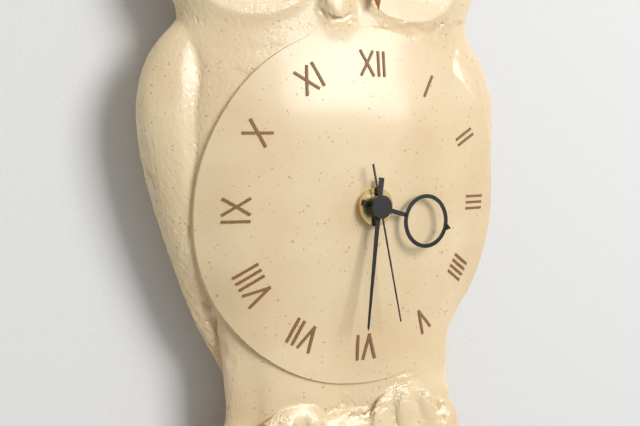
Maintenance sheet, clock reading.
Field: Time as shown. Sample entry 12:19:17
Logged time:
3:31:28
